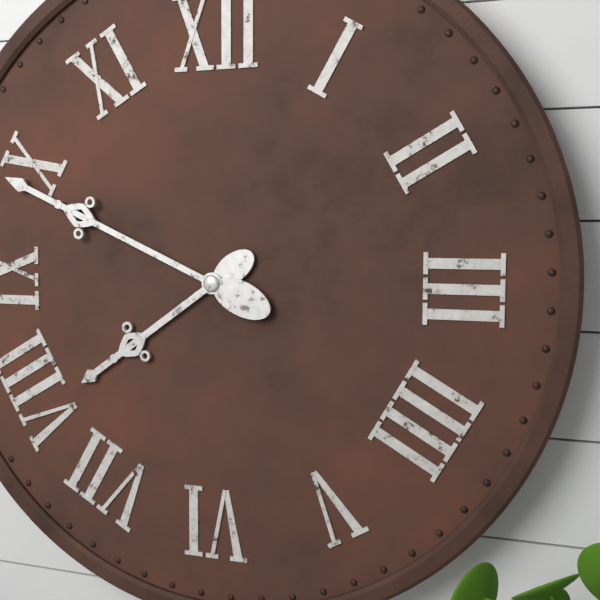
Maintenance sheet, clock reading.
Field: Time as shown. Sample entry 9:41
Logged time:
7:49
